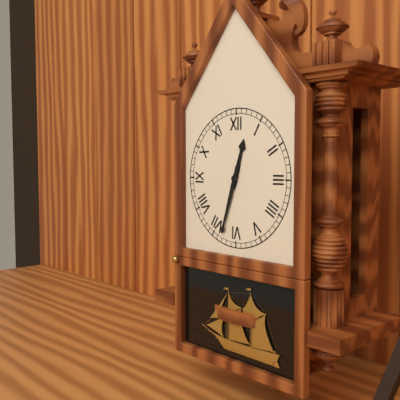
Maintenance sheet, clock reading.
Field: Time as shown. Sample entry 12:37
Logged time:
12:33
